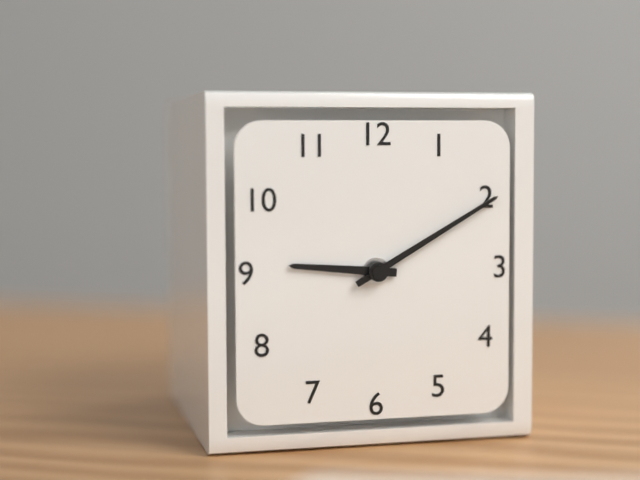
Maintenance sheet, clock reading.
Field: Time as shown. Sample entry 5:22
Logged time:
9:10
